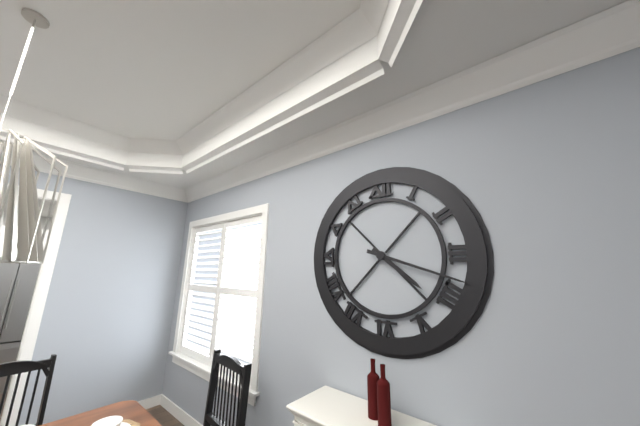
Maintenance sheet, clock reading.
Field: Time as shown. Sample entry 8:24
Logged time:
4:18
